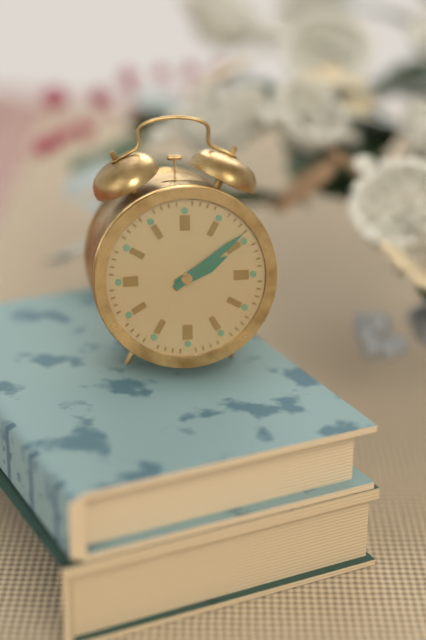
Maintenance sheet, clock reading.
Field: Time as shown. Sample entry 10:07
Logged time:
2:09
